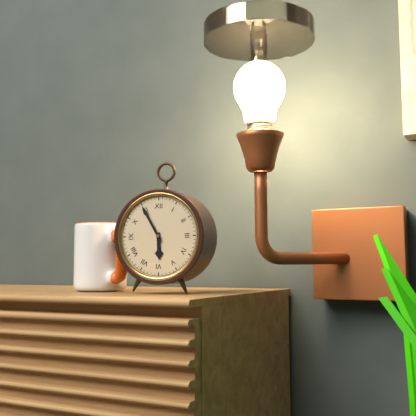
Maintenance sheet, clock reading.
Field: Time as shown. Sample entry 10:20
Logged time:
5:55
